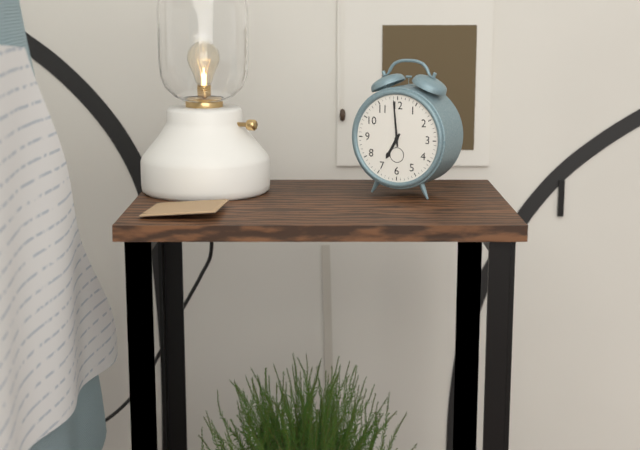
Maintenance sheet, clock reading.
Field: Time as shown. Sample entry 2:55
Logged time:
6:59
